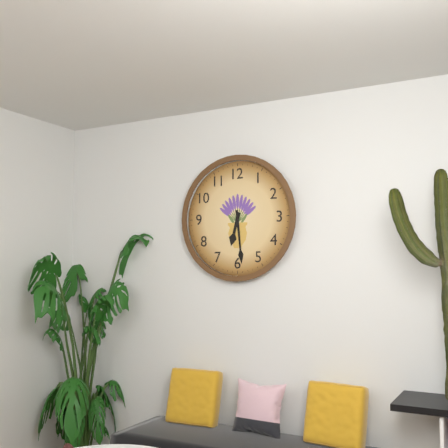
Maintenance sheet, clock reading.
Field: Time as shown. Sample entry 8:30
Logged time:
6:29
